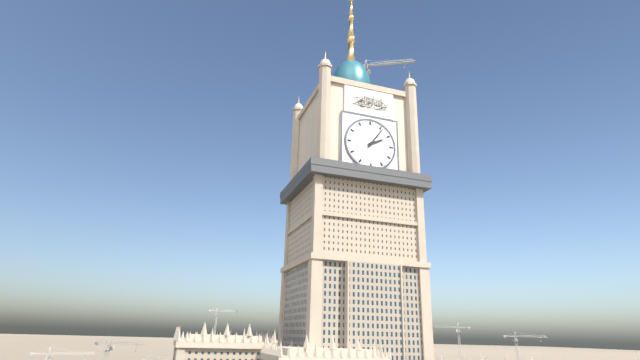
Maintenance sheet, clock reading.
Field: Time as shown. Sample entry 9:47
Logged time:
2:06
